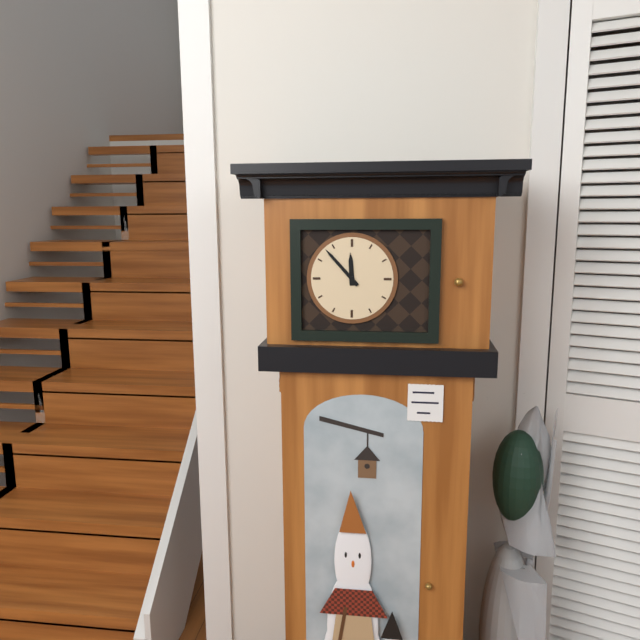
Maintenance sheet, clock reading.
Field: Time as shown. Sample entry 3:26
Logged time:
11:53
